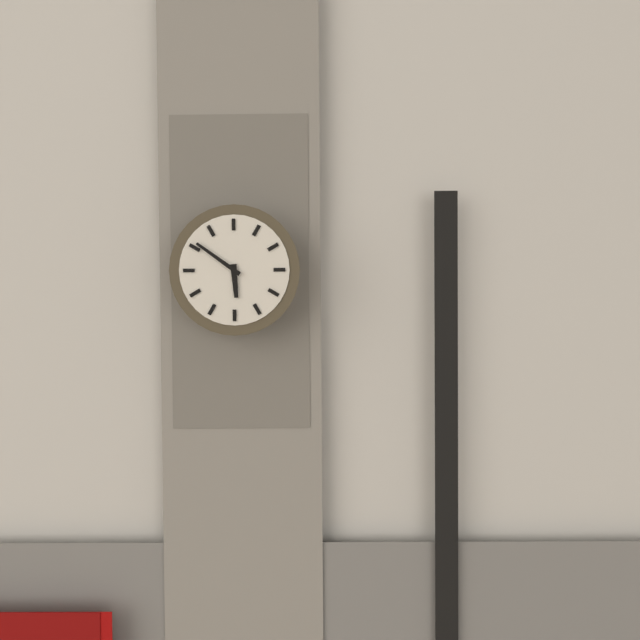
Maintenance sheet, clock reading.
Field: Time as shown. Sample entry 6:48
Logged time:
5:51
